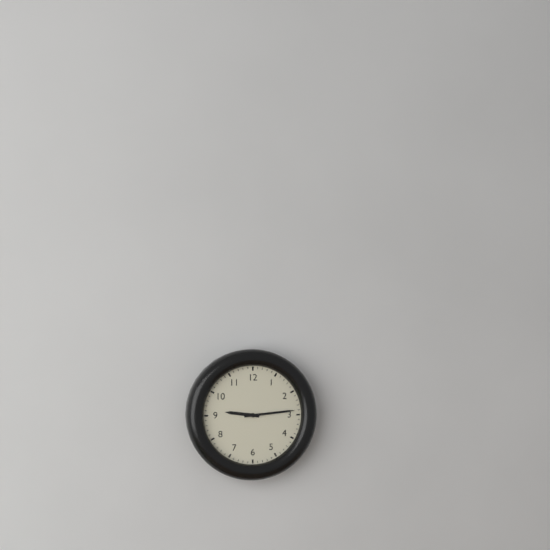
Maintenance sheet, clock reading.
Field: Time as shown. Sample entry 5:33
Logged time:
9:14
